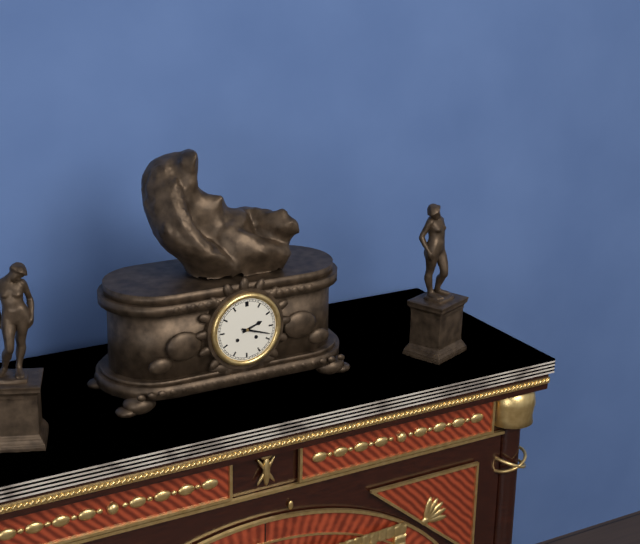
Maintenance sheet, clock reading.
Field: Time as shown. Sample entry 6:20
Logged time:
2:18
